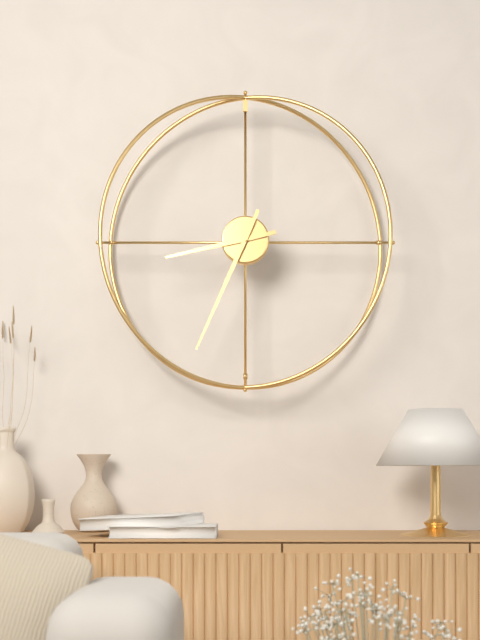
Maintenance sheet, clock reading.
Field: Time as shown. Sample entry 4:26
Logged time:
8:34
